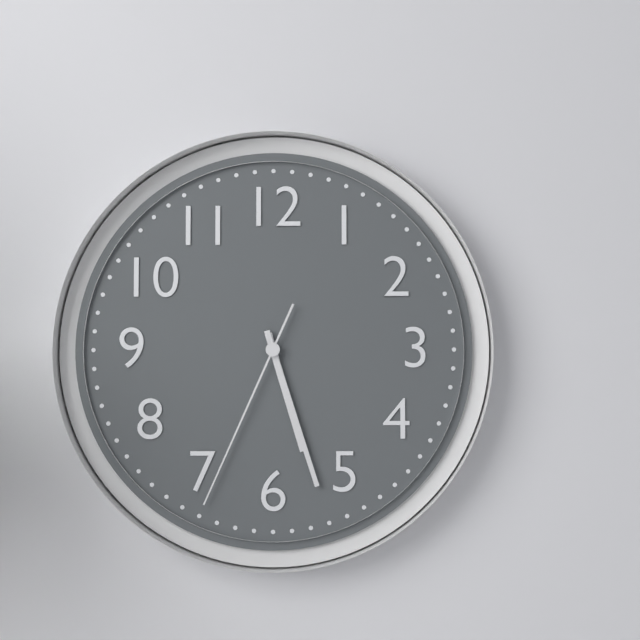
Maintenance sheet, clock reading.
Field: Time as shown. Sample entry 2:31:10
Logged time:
5:27:34
